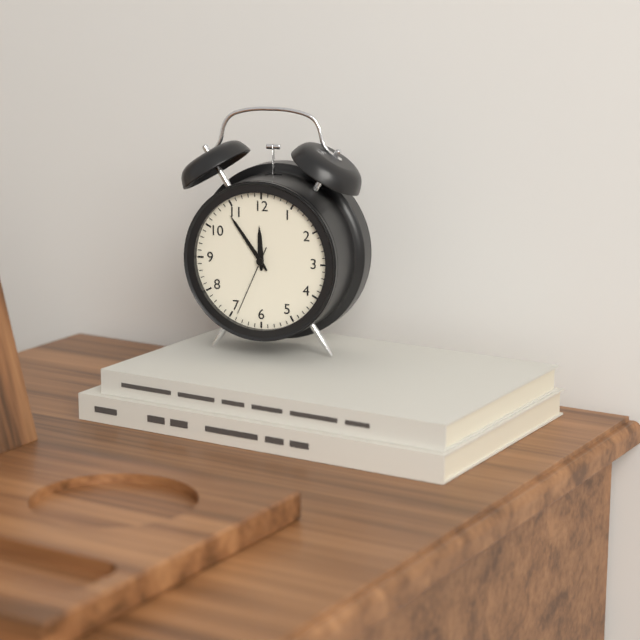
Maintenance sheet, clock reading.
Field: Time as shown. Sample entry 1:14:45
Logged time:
11:54:34
